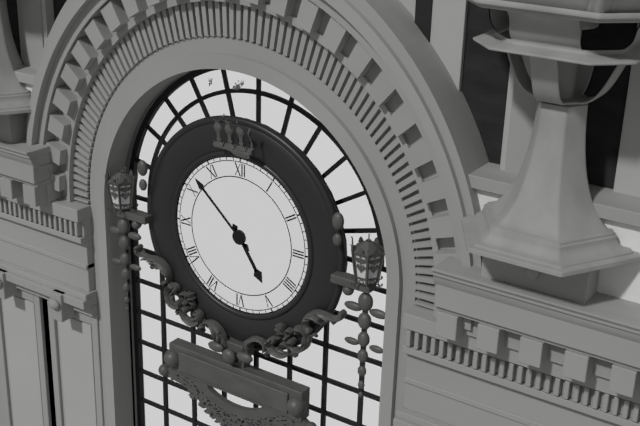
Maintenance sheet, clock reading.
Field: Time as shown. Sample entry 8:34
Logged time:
4:52
